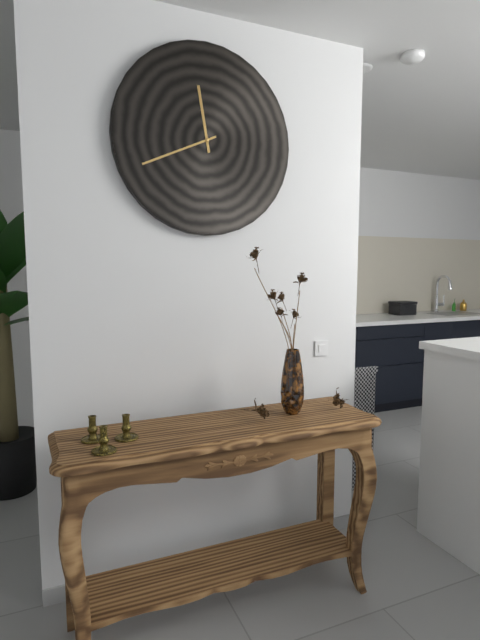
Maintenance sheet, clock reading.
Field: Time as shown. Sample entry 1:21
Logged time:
11:41
